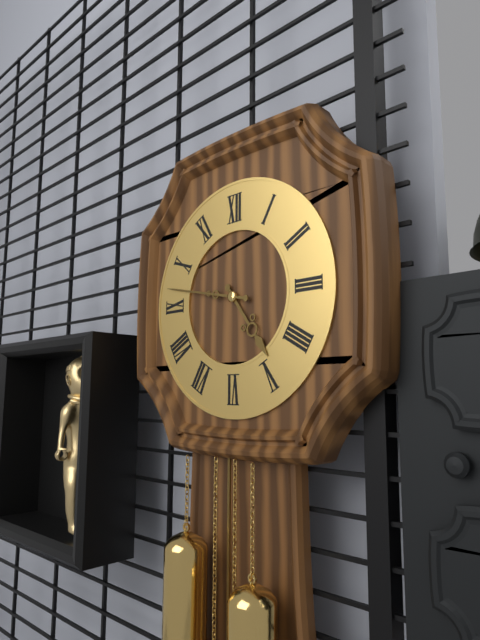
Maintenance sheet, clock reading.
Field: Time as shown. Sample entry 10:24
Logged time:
4:47
